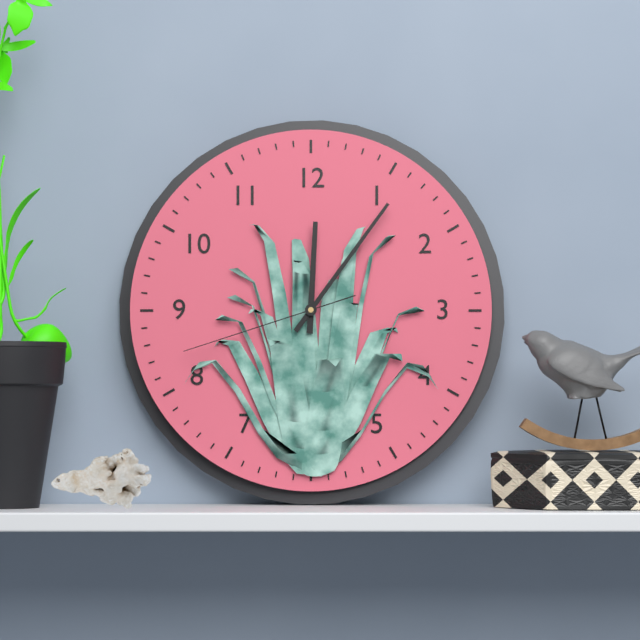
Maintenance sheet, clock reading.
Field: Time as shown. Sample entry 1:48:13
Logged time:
12:06:42
